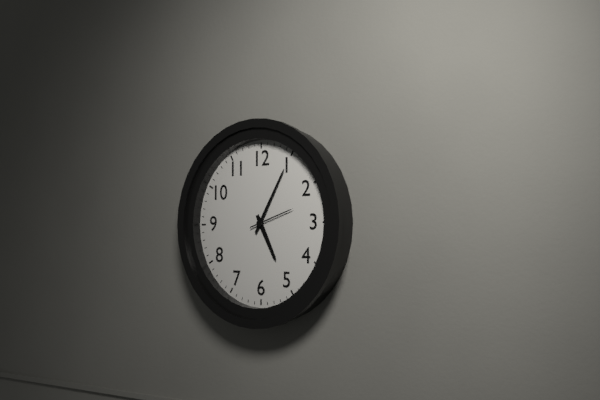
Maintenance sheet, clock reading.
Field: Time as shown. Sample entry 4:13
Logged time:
5:05
